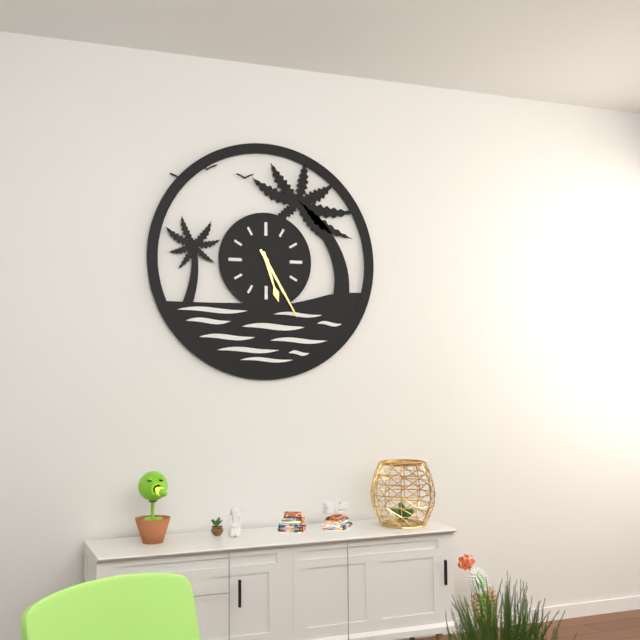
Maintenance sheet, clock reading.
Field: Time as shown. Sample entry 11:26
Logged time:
5:25
